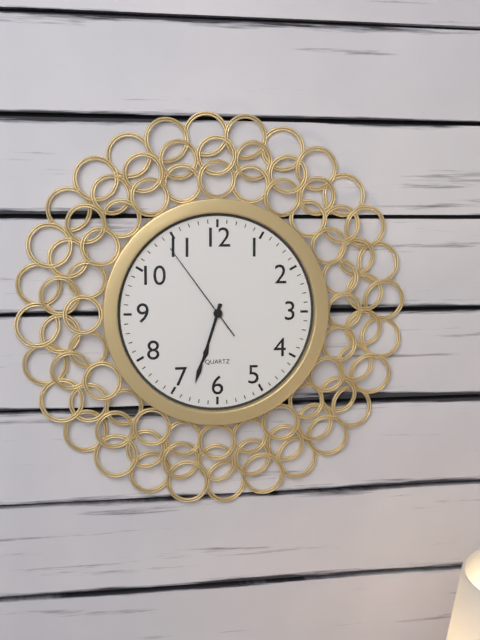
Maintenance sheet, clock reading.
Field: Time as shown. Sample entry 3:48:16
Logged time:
6:33:54
